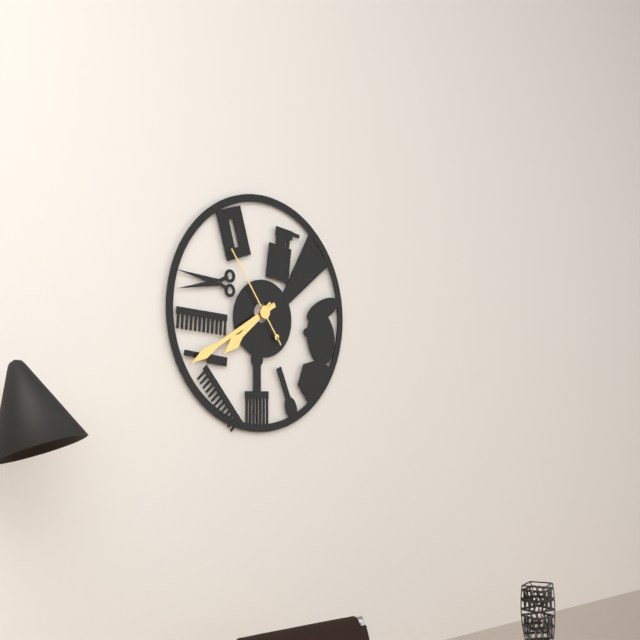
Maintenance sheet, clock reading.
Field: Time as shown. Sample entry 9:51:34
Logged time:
7:40:54
